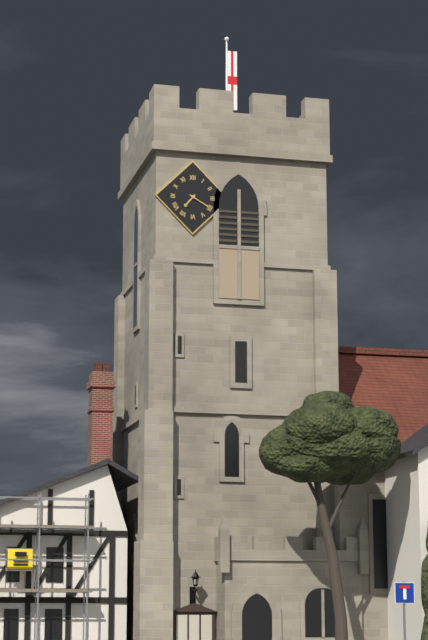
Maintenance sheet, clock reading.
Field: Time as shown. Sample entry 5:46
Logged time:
7:20
